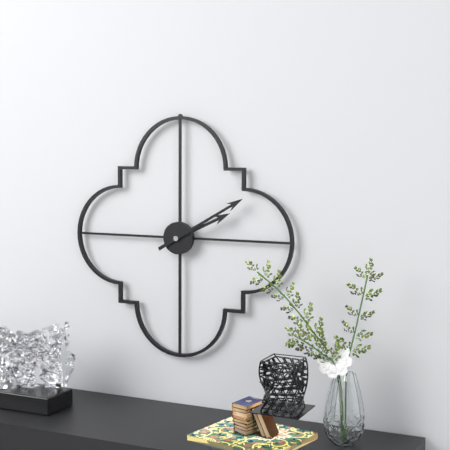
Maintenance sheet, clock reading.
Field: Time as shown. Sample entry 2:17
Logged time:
2:10
